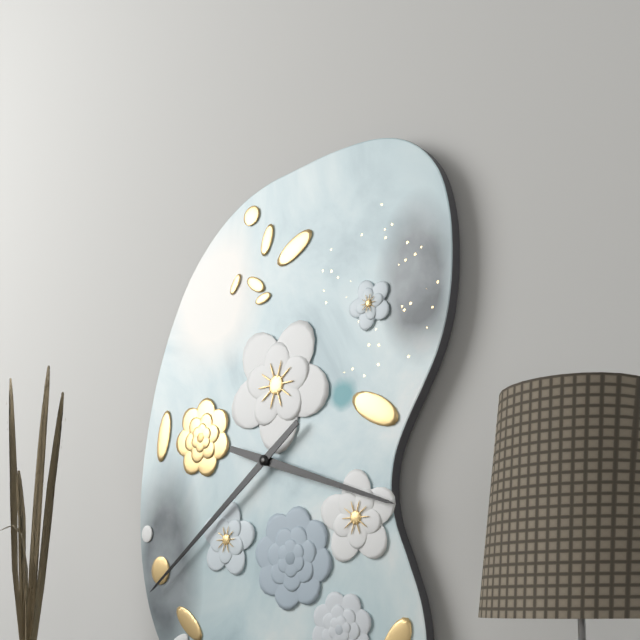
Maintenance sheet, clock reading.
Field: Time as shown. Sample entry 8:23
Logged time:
3:39
